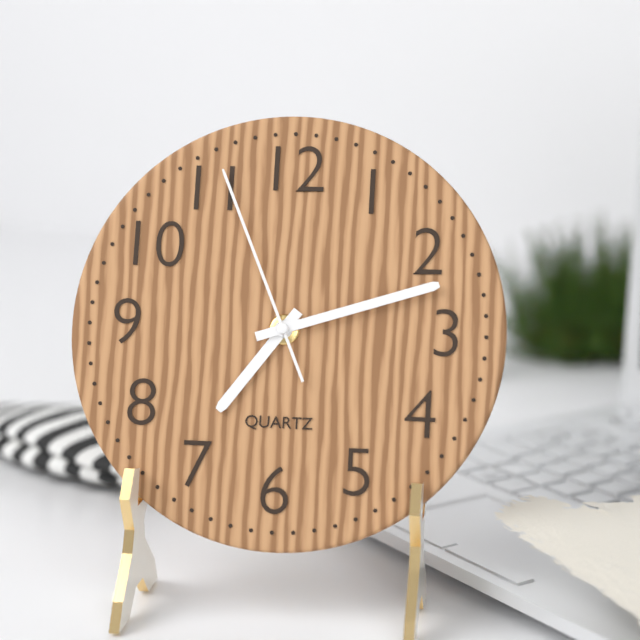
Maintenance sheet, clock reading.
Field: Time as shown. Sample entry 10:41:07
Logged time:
7:12:56
